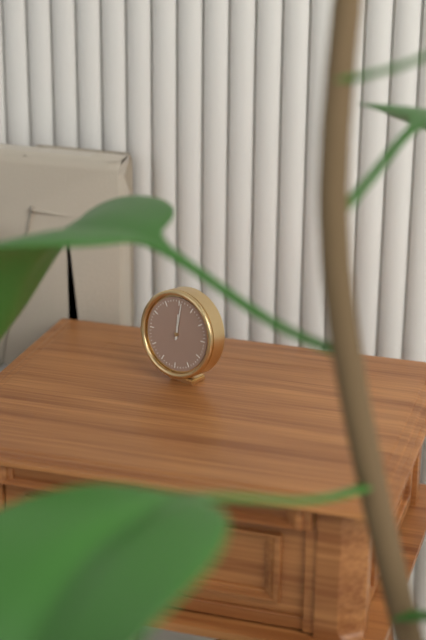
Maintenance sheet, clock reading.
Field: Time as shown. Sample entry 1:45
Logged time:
12:01
